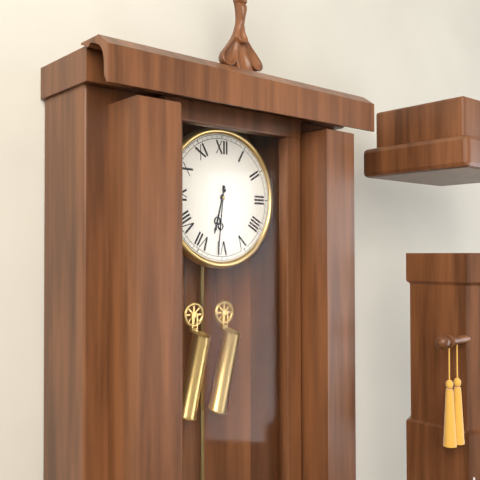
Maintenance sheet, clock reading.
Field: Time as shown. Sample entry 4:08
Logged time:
6:31
